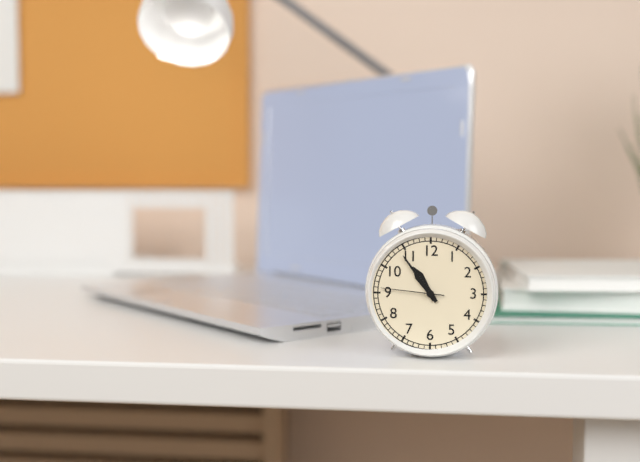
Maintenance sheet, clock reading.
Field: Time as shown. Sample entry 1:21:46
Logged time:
10:54:46
